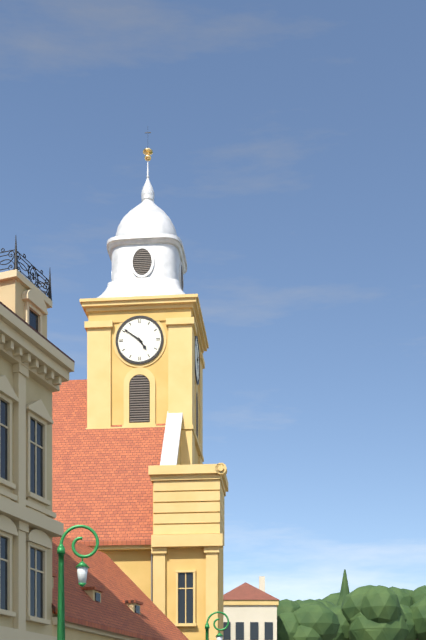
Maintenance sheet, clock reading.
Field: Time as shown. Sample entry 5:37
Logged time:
4:51
